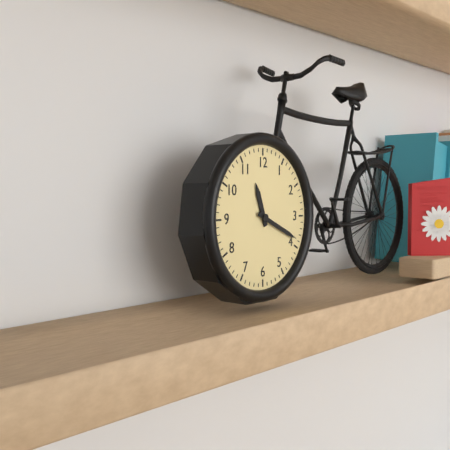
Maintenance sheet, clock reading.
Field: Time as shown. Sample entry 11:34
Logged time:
11:19
